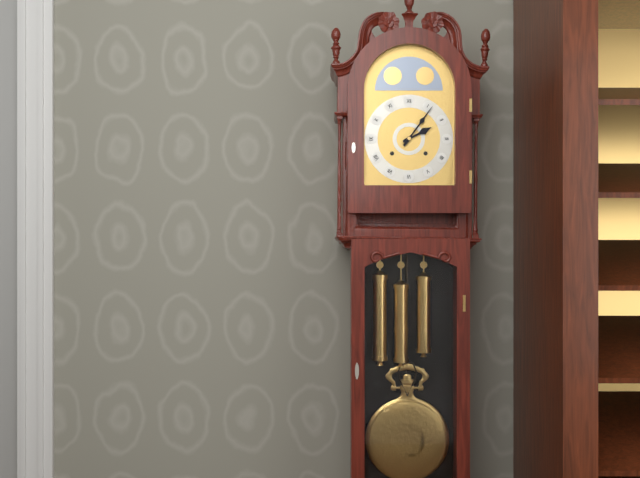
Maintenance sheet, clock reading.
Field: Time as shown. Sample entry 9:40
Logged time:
2:06
